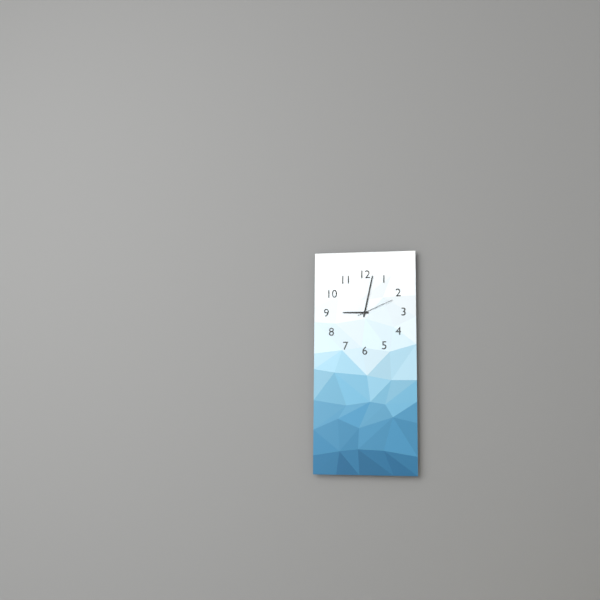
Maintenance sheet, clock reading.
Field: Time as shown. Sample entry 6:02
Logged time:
9:02
